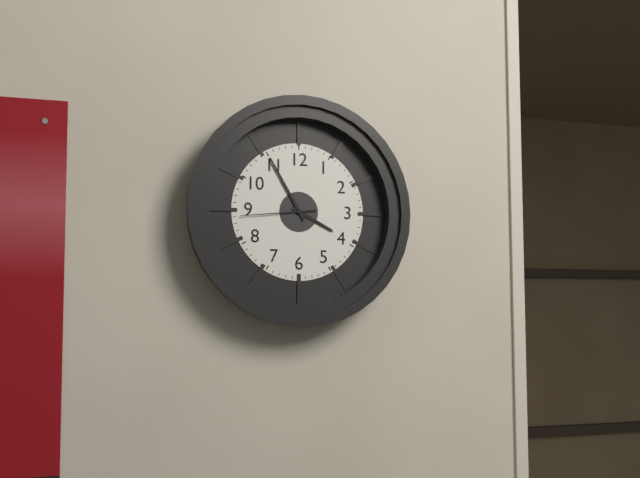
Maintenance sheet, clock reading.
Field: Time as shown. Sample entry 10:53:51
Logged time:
3:55:44
